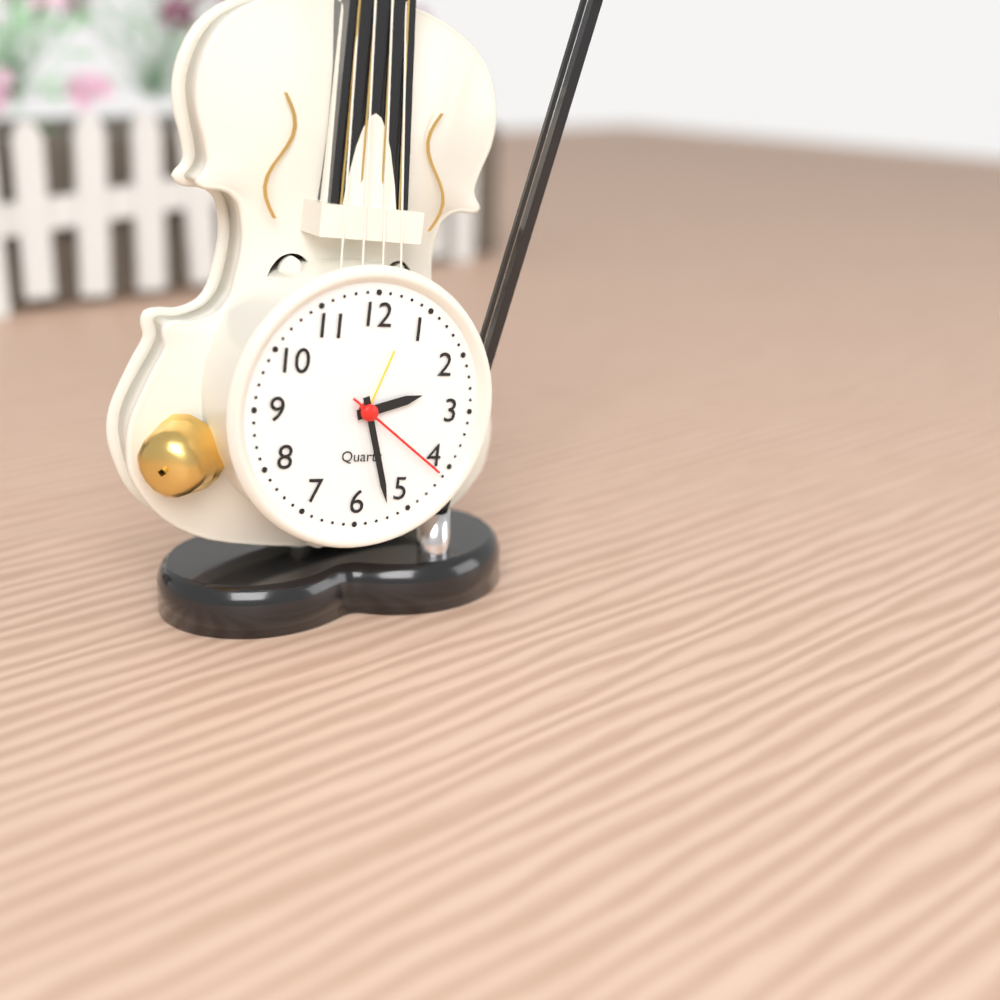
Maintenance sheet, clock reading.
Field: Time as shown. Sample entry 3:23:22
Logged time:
2:27:21
